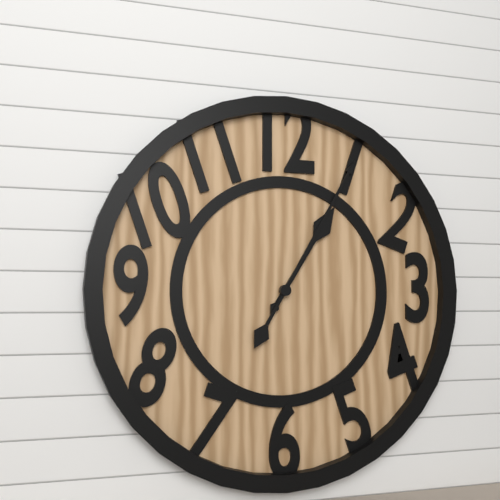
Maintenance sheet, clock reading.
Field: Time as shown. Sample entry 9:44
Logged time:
1:05
